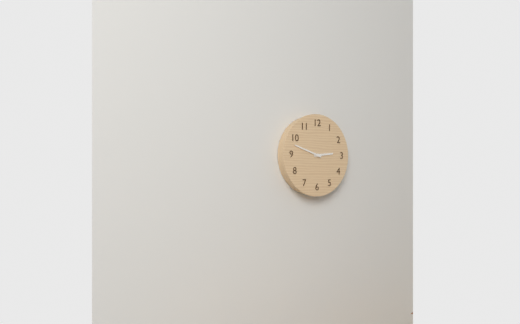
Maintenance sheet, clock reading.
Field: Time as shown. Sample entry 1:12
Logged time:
2:48
